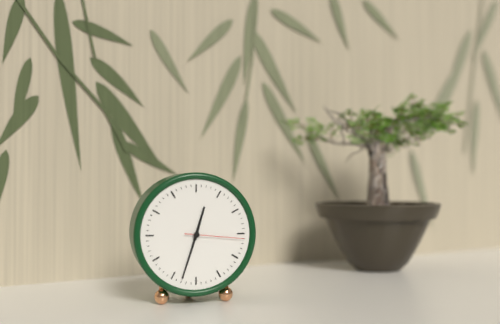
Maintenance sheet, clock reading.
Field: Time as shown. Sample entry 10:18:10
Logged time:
12:33:16
